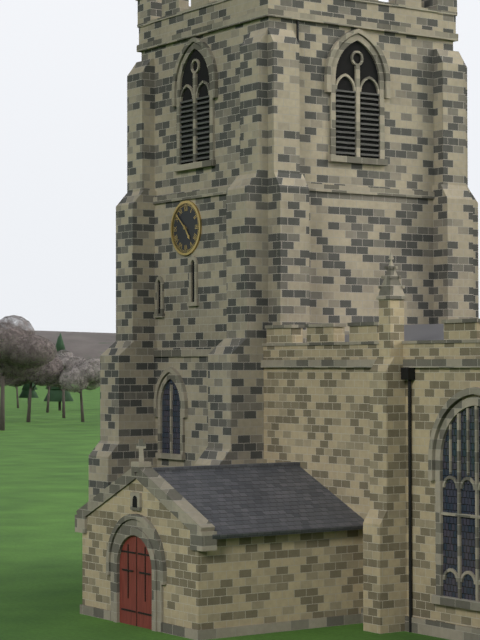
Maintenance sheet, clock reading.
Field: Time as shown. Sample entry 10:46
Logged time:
4:52
